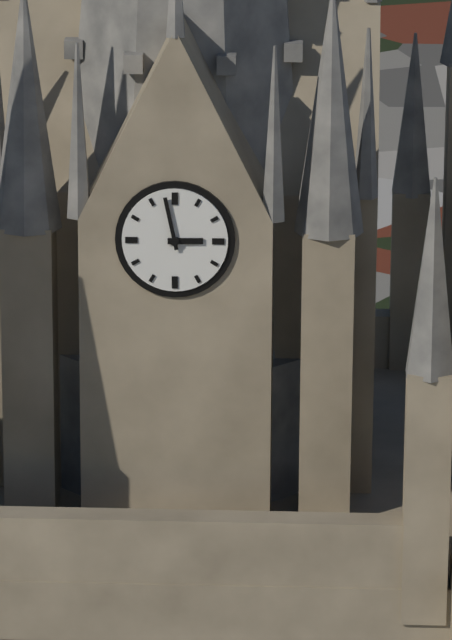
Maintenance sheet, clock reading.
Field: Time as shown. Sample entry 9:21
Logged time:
2:58
